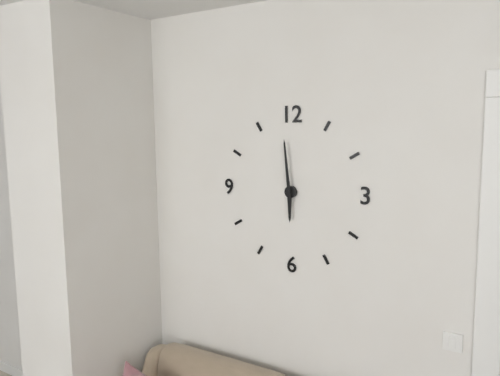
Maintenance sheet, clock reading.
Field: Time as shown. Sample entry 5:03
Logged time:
5:59
